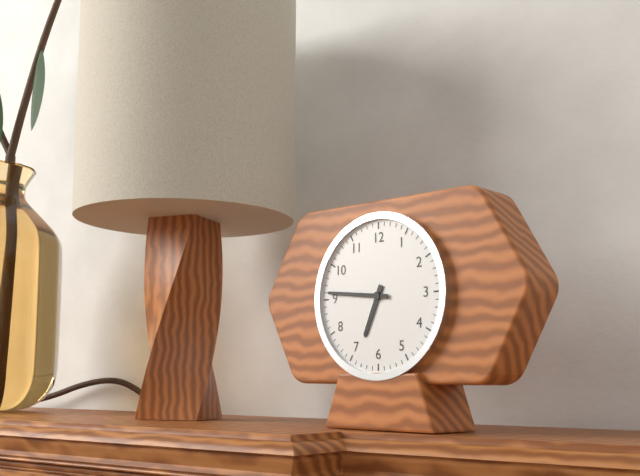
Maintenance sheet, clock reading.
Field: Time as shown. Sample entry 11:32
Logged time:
6:46
